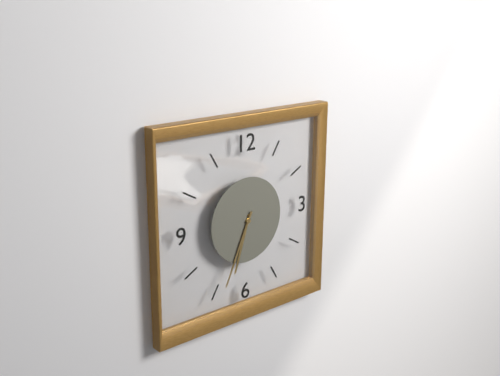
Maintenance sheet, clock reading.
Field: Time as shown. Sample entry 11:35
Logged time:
6:34
